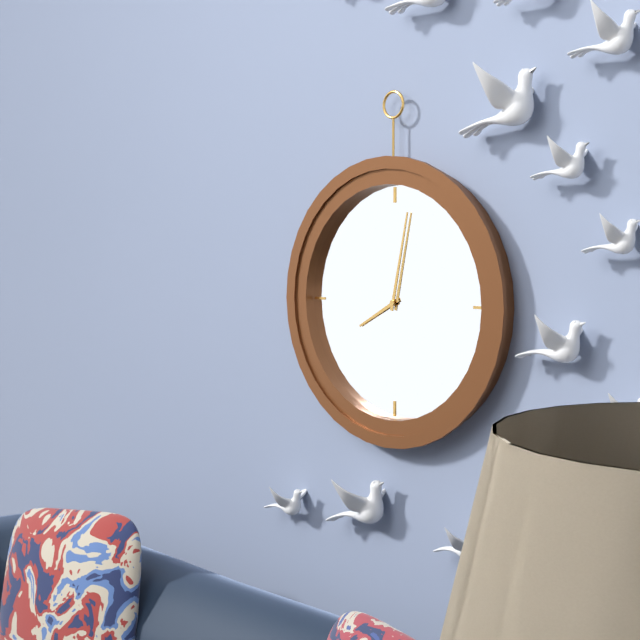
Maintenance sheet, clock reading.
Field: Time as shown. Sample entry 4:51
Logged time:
8:02
